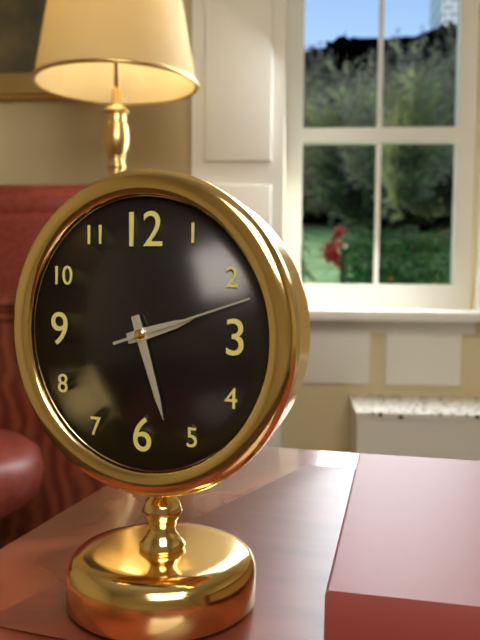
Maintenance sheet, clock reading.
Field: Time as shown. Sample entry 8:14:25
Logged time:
2:27:12
